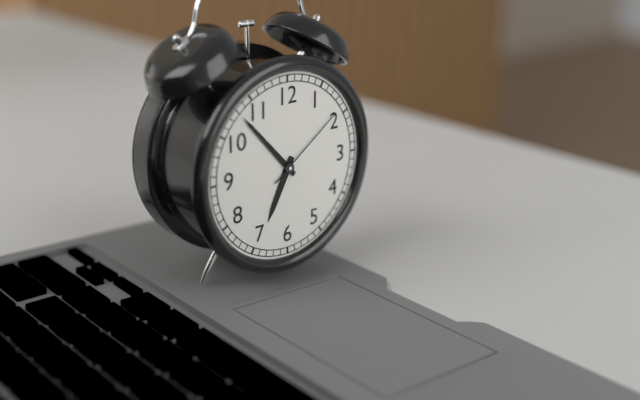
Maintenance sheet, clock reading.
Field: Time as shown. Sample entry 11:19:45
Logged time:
6:53:09
